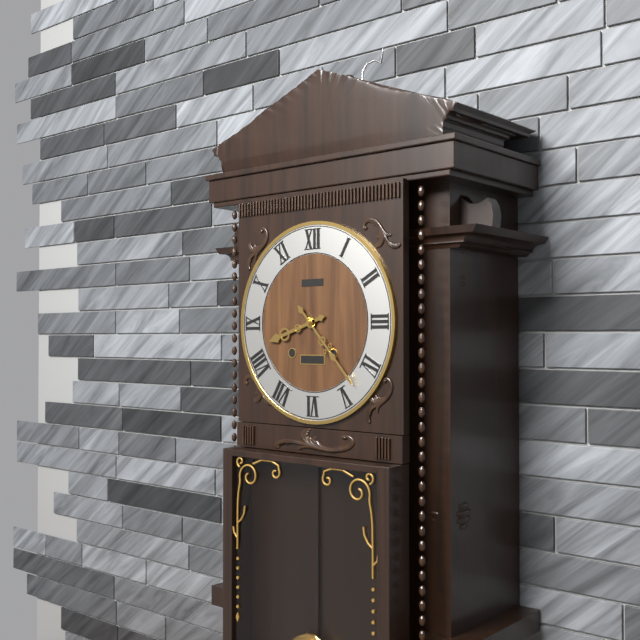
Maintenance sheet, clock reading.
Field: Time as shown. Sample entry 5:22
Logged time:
8:23
